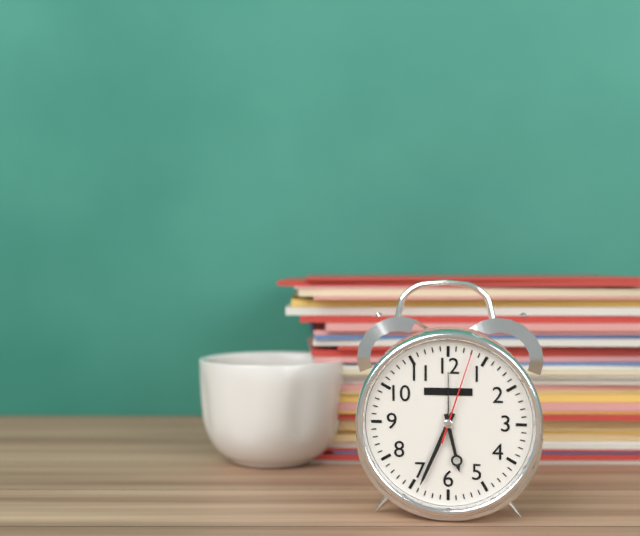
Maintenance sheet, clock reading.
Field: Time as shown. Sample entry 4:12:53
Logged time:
5:34:03
